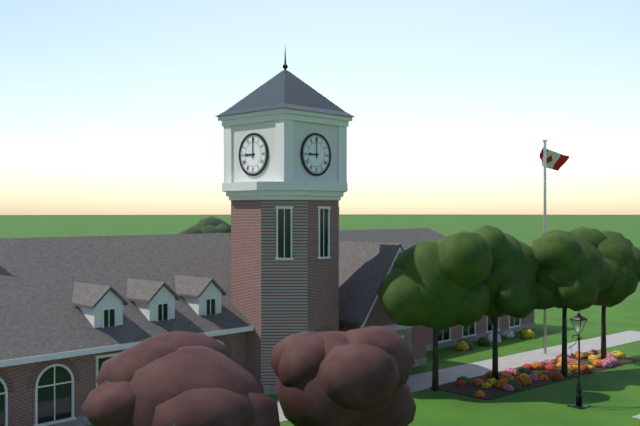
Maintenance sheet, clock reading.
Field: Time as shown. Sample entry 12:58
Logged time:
9:00
